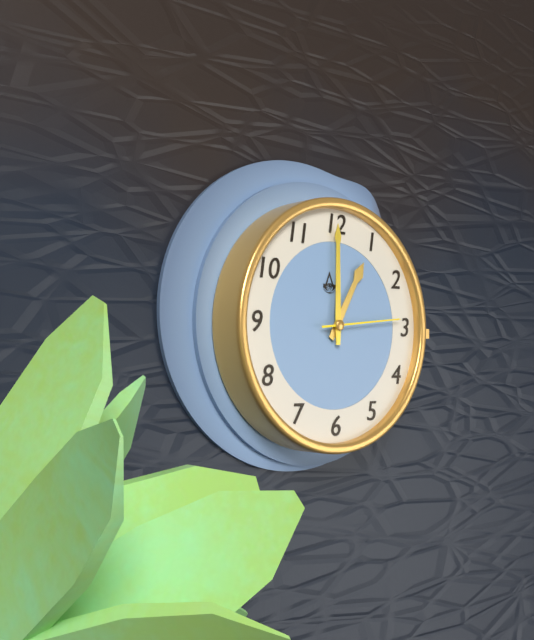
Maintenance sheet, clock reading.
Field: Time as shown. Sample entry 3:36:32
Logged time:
1:00:14
